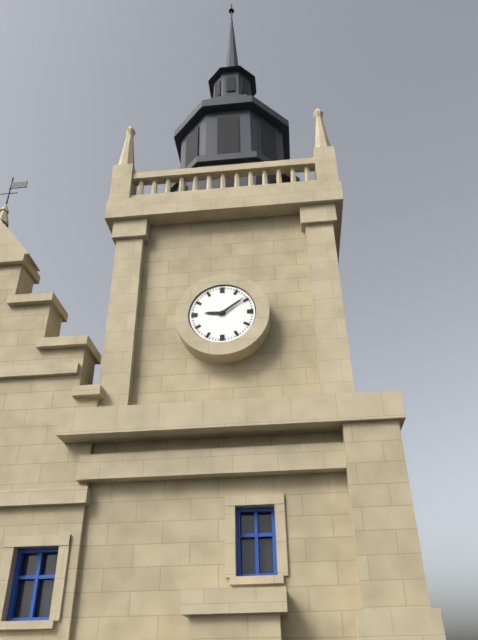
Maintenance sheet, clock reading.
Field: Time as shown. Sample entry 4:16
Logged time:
9:09
